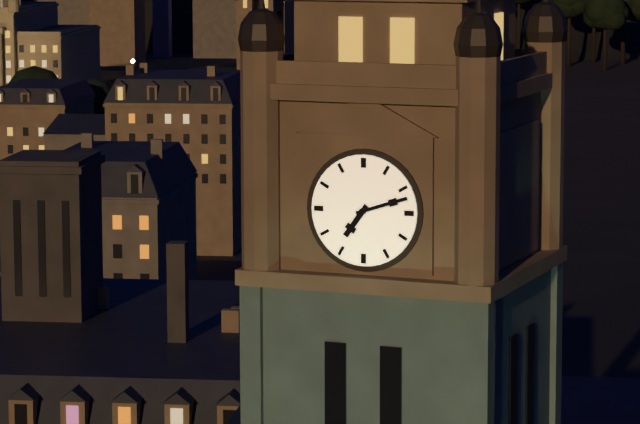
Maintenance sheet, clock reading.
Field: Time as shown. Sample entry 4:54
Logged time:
7:12
